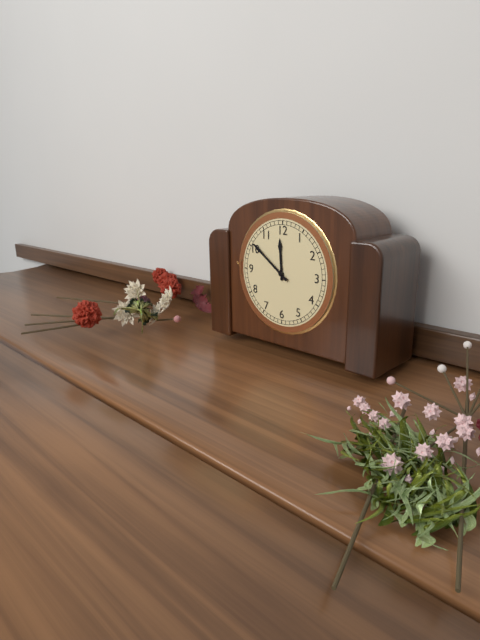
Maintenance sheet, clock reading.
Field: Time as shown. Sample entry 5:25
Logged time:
11:51
